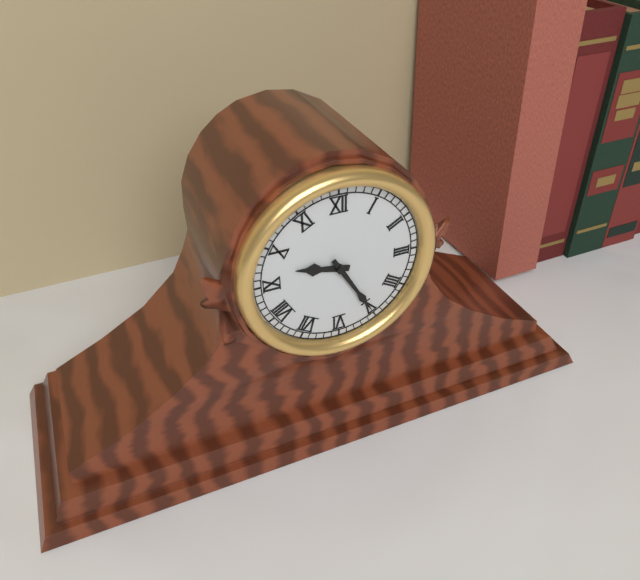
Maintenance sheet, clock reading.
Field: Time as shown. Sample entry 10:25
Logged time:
9:25
